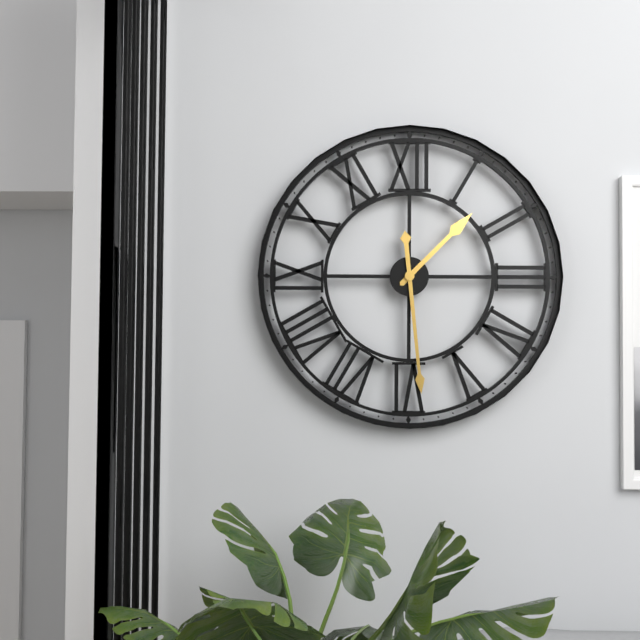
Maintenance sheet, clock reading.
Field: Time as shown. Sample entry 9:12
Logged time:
1:29
